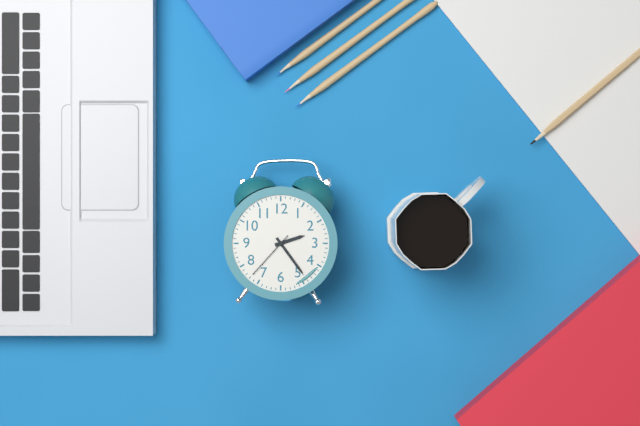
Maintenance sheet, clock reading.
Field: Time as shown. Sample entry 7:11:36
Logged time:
2:24:37
